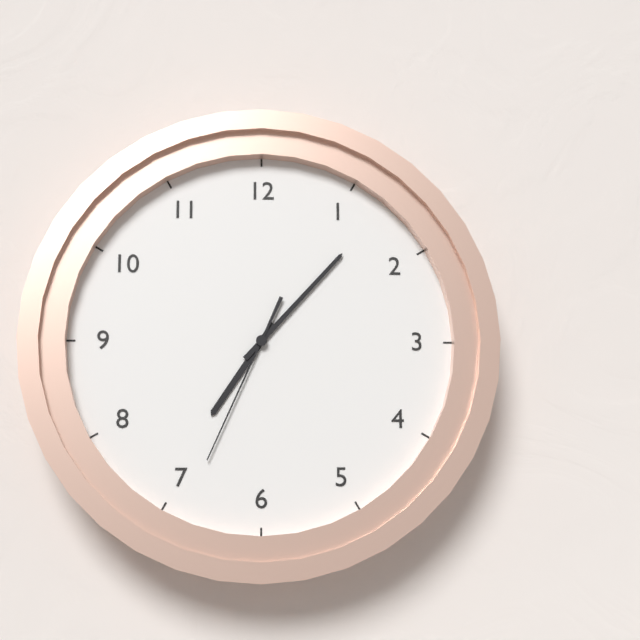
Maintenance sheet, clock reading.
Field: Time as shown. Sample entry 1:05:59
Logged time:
7:07:34
